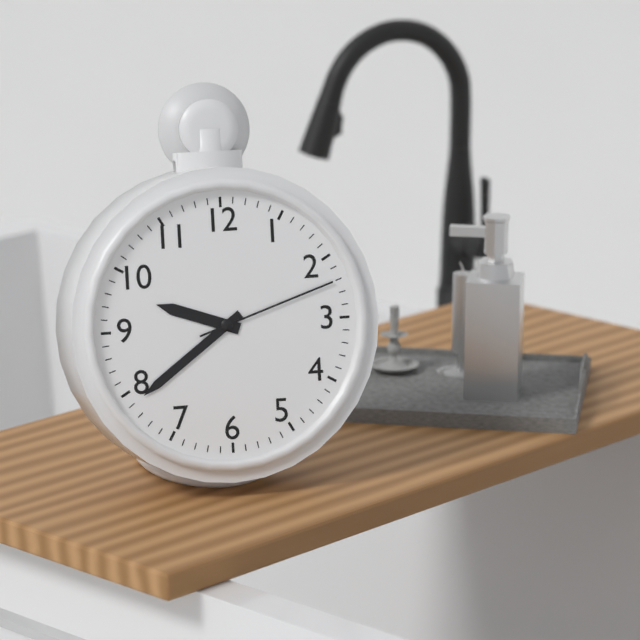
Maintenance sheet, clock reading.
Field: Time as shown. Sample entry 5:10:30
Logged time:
9:39:12
